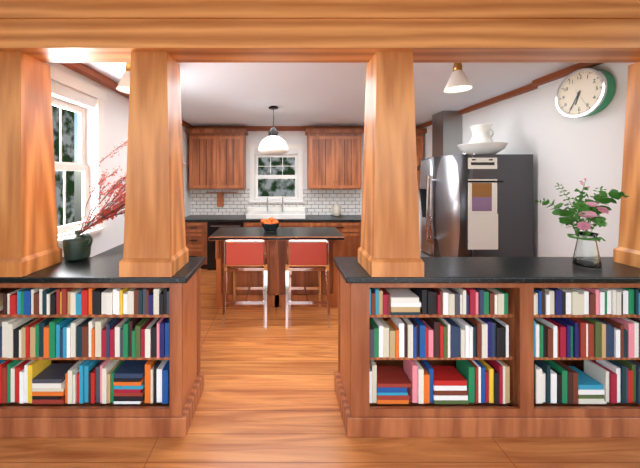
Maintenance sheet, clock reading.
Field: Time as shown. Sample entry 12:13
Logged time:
6:35
